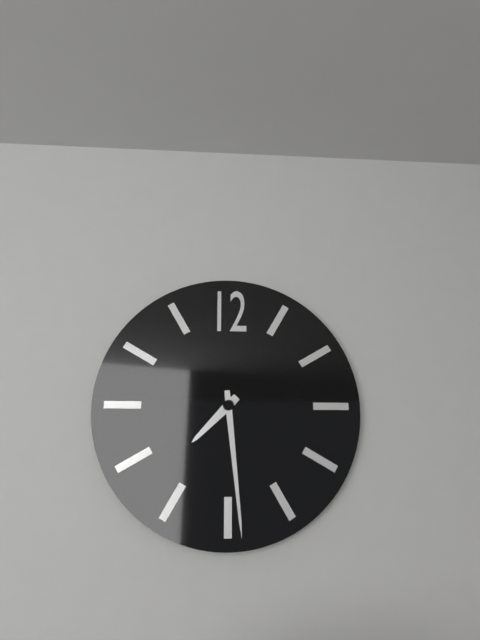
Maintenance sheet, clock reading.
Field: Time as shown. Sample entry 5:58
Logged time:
7:29
